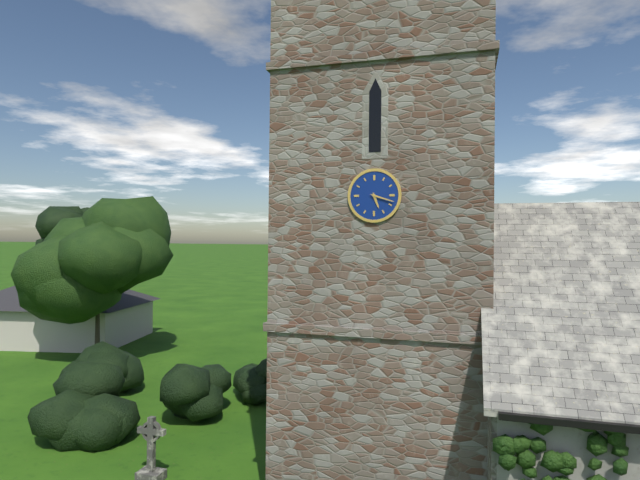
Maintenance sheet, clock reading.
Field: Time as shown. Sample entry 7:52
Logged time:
5:18
